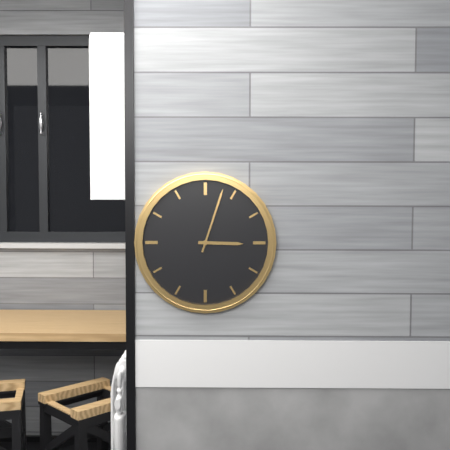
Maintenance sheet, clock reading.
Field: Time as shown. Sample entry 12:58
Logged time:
3:03
